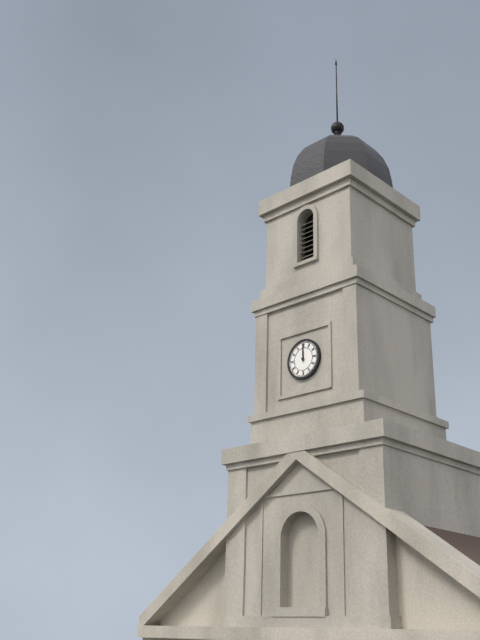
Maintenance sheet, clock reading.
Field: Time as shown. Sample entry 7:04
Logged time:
12:00
